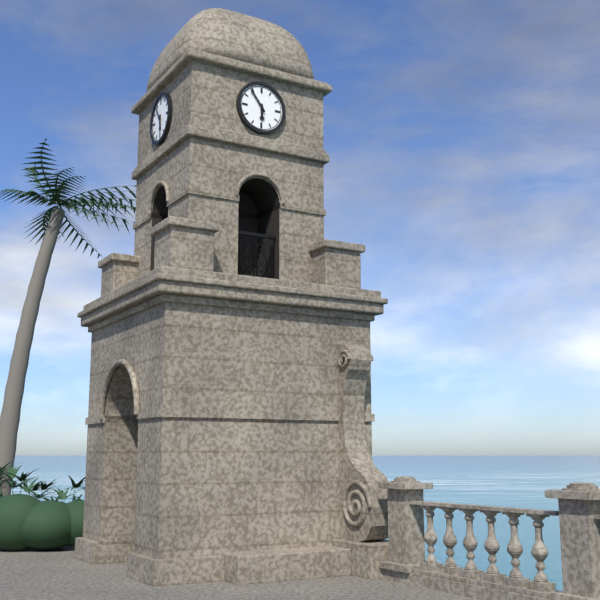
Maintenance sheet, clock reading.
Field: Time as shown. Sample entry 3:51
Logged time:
5:54
